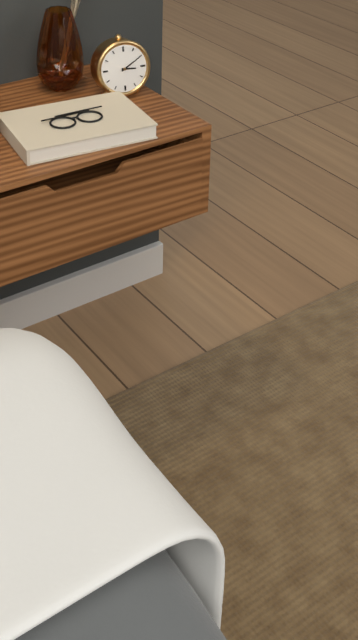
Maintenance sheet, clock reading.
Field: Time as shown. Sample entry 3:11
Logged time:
3:10
